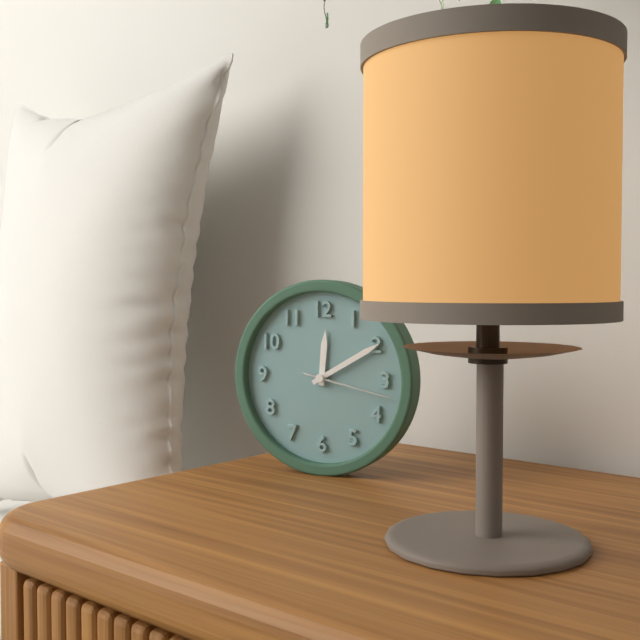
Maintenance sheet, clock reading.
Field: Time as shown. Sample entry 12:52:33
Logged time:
12:10:17
